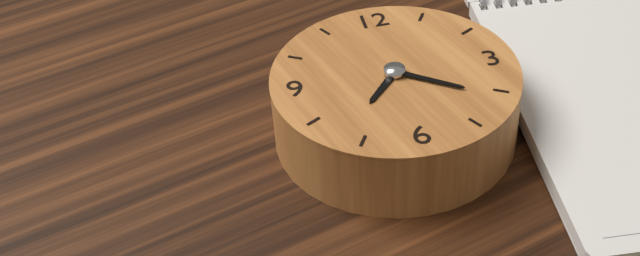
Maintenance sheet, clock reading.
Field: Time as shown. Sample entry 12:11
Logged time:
7:21
